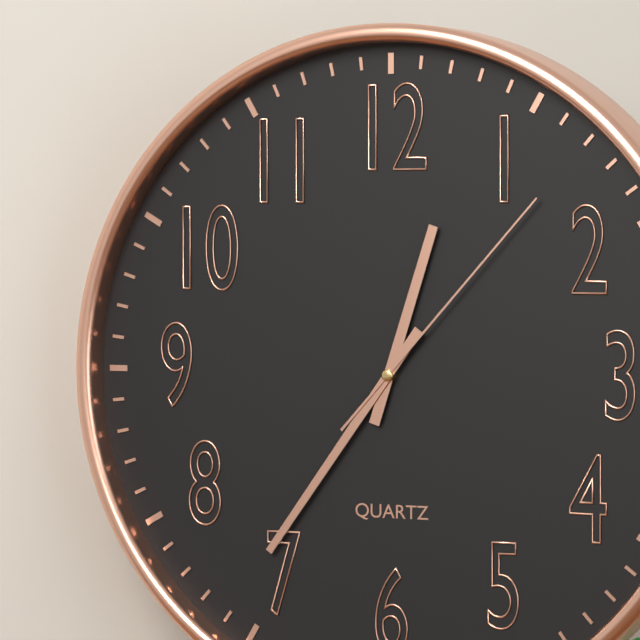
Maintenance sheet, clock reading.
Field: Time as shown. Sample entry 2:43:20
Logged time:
12:36:07
